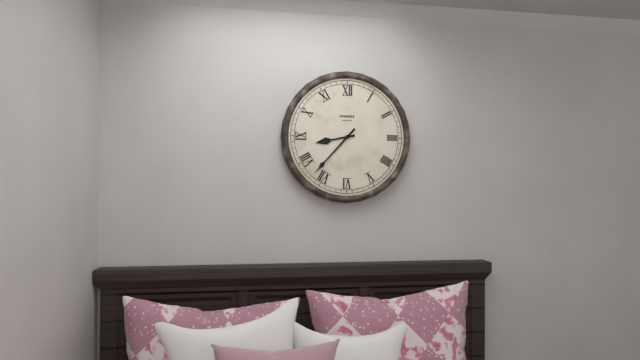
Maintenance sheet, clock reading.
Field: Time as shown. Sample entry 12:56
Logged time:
8:37
